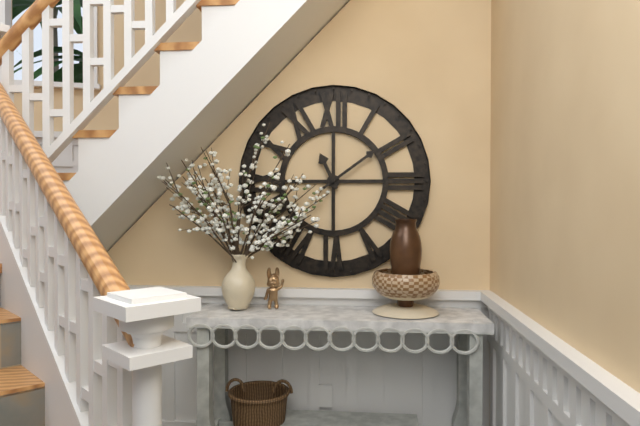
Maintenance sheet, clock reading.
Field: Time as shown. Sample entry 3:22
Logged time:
11:09
